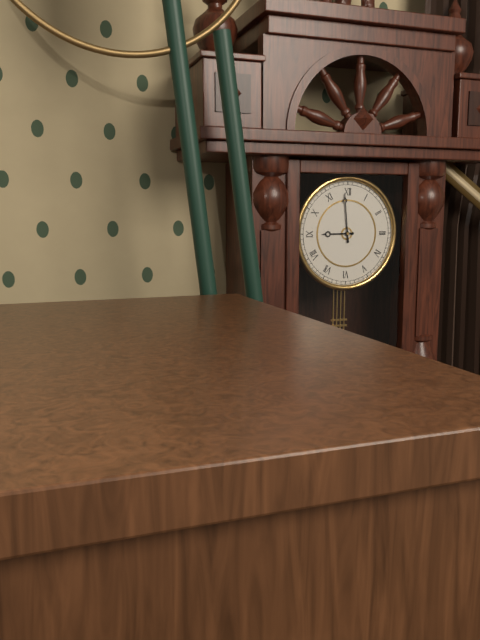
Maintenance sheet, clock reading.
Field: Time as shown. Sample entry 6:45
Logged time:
8:59
